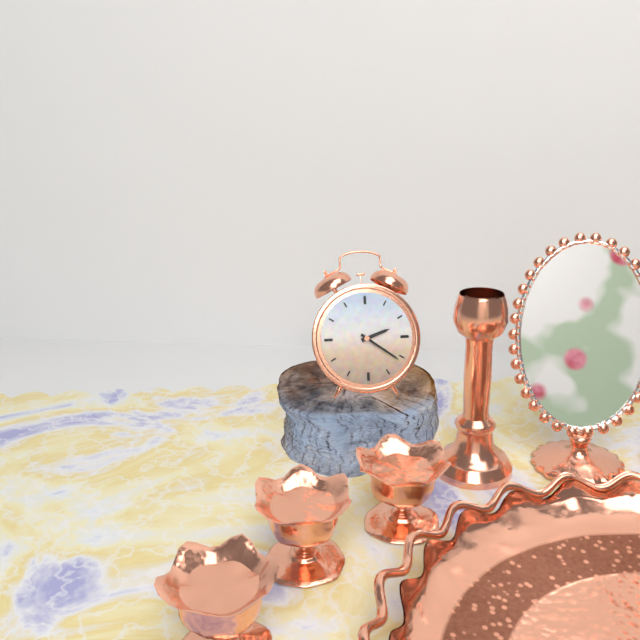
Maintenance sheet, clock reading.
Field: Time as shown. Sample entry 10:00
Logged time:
2:21
